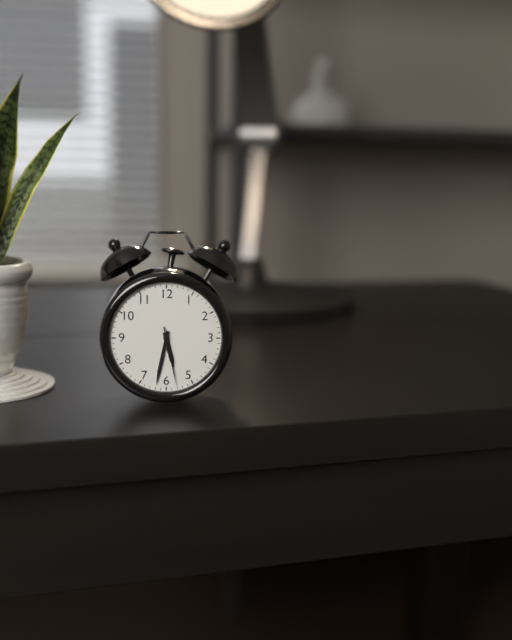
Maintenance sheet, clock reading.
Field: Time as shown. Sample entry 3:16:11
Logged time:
5:32:28
